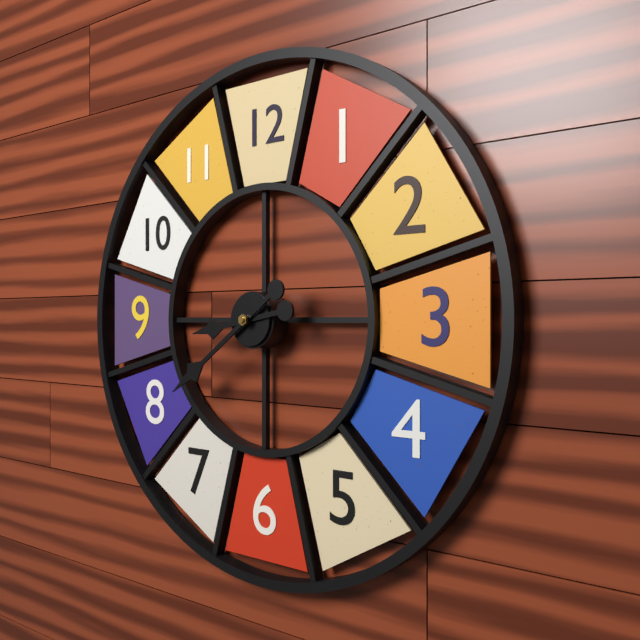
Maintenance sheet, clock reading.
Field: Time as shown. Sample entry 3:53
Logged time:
8:39
